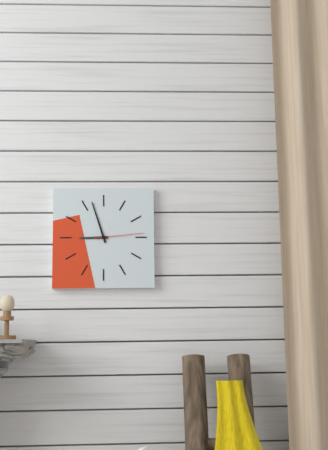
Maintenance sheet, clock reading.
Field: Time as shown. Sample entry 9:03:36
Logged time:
8:57:14
